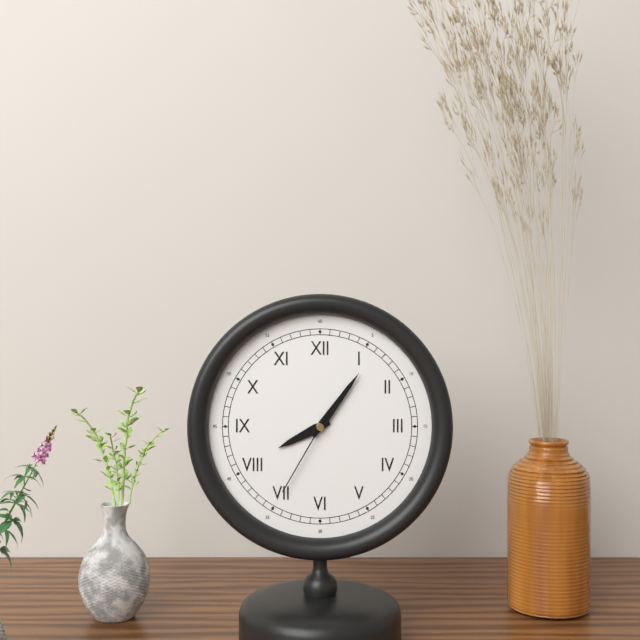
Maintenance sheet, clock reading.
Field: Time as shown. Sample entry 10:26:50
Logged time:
8:06:35
